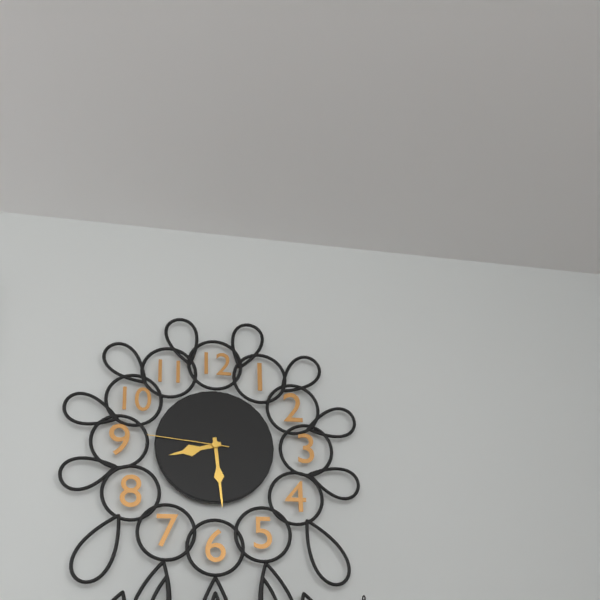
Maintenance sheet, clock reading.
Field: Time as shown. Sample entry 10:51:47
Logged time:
8:29:46
